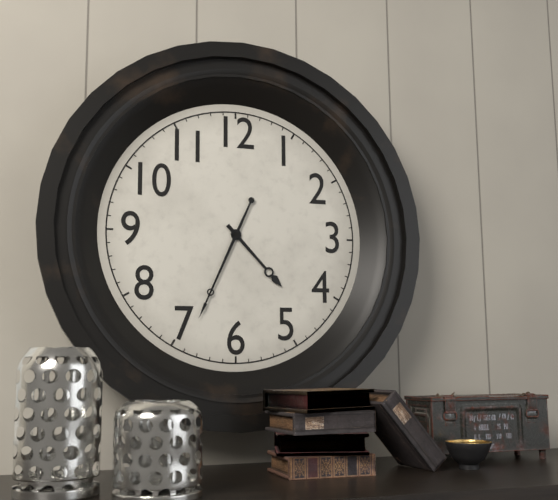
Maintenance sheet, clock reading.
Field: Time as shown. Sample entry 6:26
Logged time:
4:34
